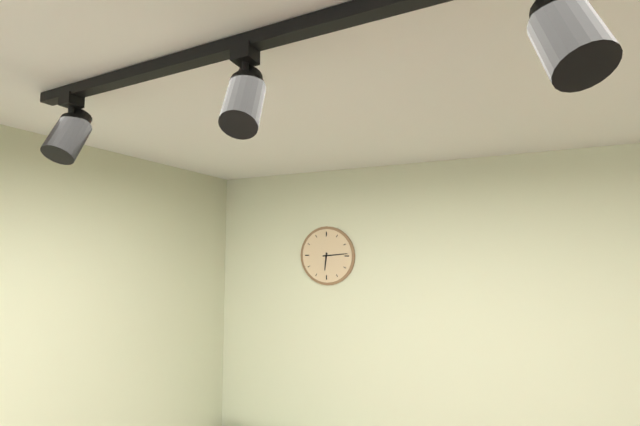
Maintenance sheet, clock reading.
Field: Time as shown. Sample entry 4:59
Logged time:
6:14
